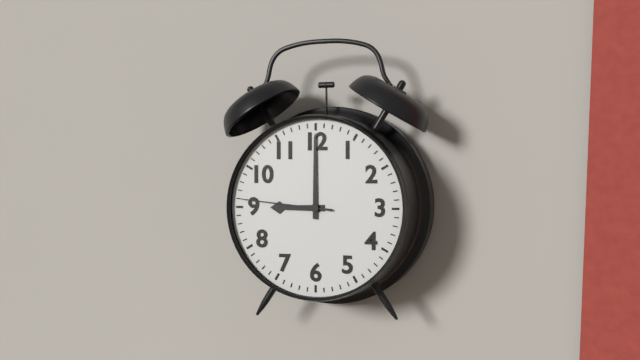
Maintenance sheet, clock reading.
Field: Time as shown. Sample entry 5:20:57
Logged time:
9:00:46
